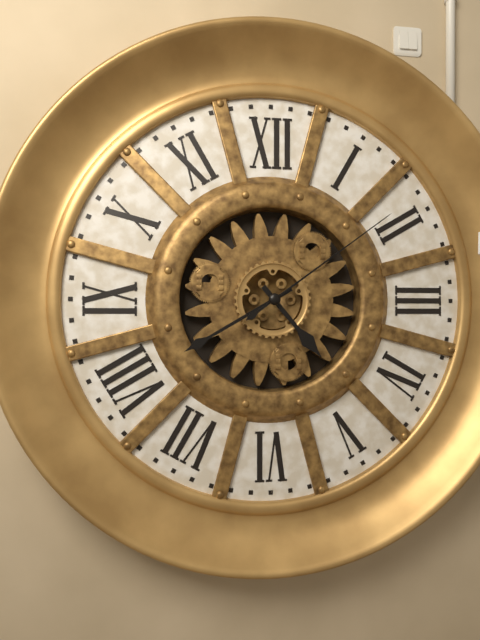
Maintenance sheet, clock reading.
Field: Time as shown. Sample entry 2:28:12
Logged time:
4:40:09
